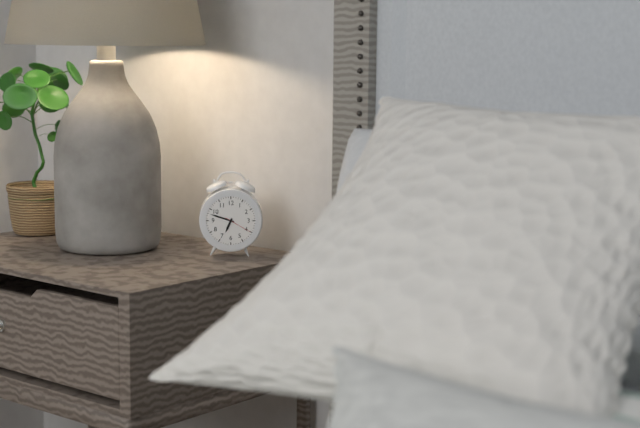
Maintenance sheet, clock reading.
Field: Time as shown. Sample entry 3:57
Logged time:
6:48
